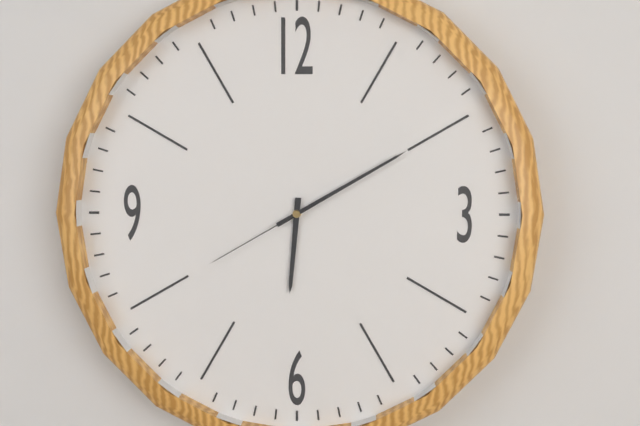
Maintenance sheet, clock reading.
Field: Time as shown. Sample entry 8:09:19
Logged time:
6:10:40
